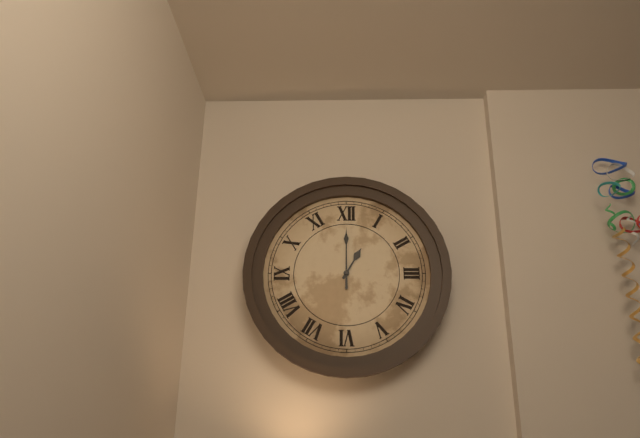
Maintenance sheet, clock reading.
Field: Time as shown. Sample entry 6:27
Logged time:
1:00
